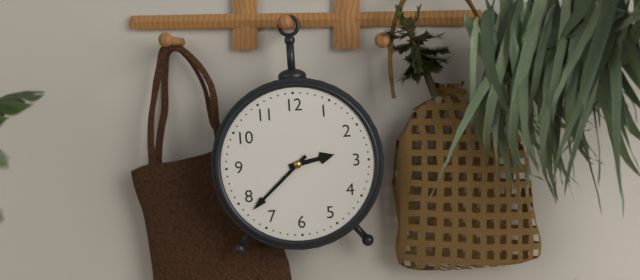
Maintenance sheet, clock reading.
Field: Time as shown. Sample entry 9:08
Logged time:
2:38
